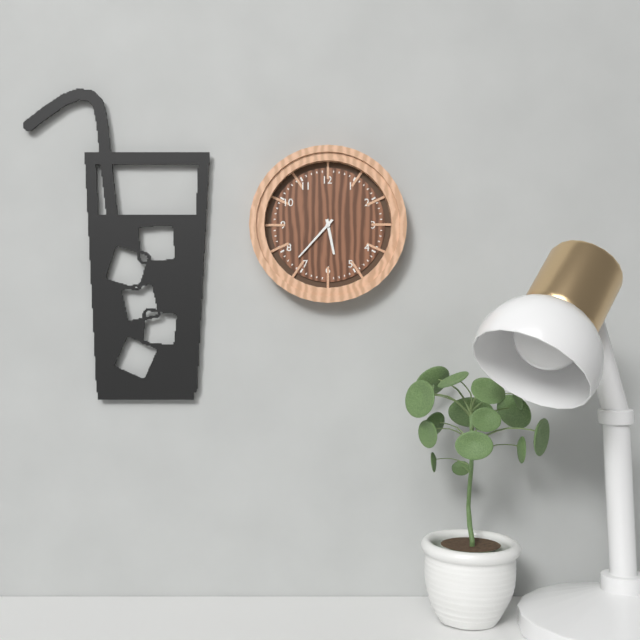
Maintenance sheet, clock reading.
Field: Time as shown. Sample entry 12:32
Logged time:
5:37
